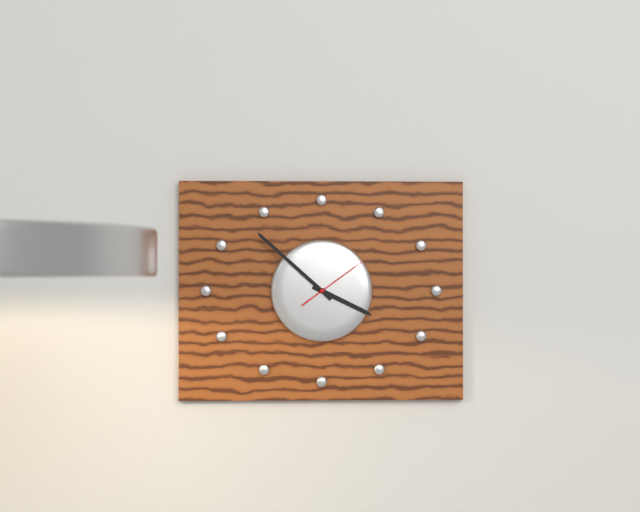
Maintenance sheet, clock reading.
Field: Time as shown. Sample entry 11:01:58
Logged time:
3:52:09
